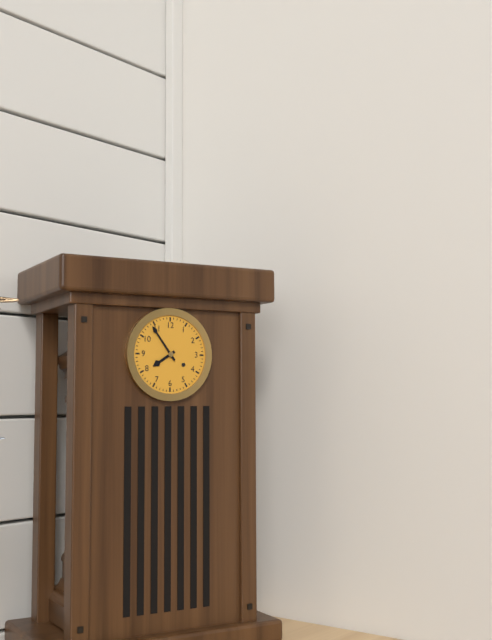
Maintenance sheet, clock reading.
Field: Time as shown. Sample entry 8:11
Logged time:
7:54
